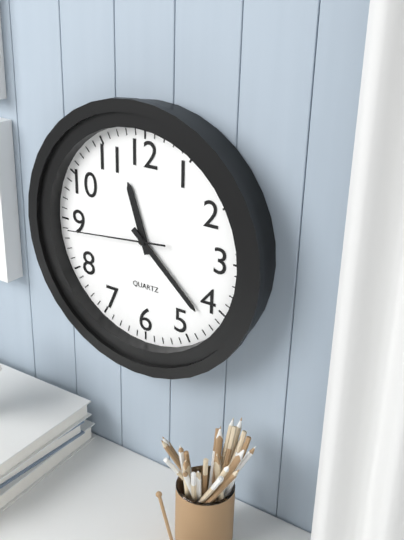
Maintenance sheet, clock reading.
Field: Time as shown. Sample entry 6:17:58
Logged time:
11:22:44
